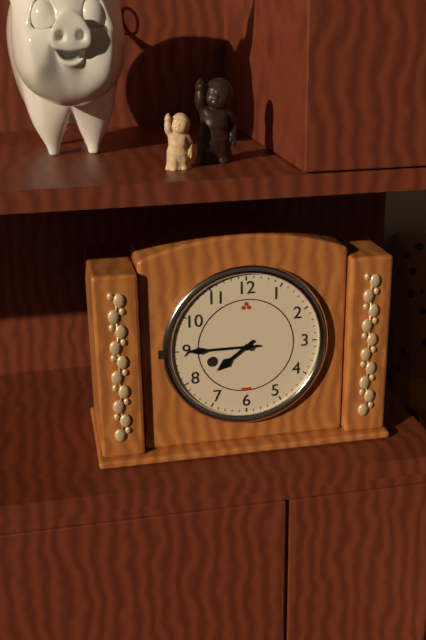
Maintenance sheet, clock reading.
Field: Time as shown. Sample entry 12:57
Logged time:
7:45
